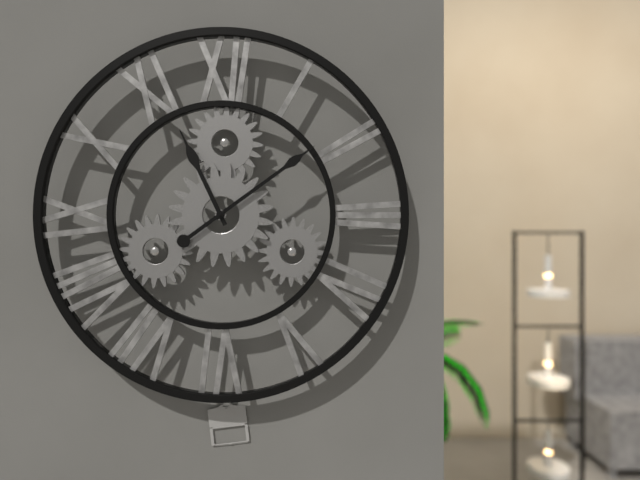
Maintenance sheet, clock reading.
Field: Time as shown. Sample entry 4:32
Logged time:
11:09
